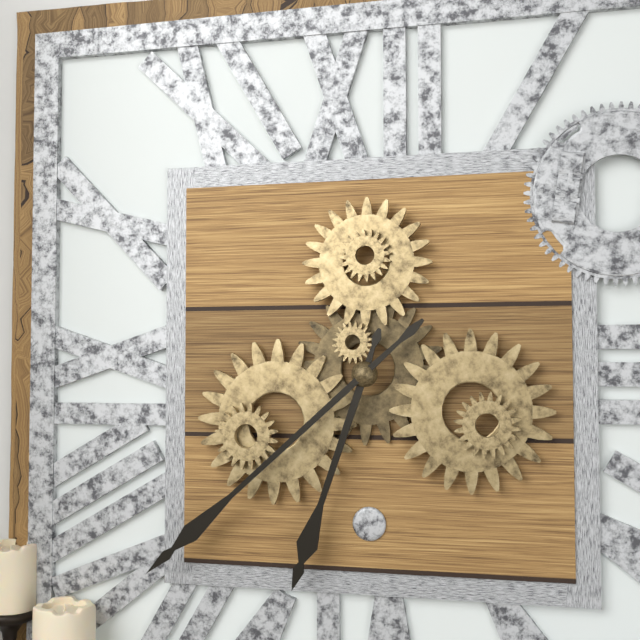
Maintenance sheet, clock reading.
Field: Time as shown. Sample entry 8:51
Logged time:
6:38
